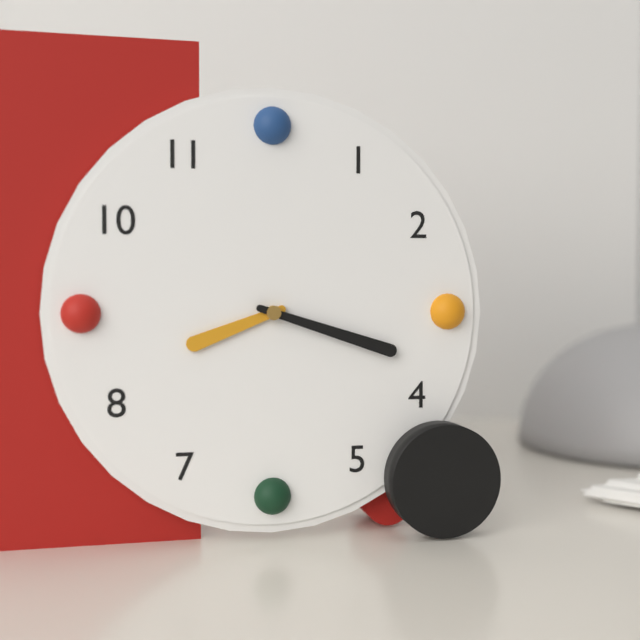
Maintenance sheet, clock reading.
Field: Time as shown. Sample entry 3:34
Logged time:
8:18
